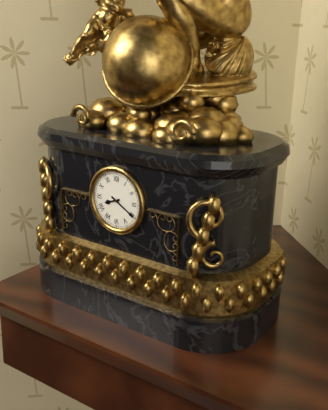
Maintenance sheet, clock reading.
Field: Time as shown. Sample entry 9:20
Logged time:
8:20
